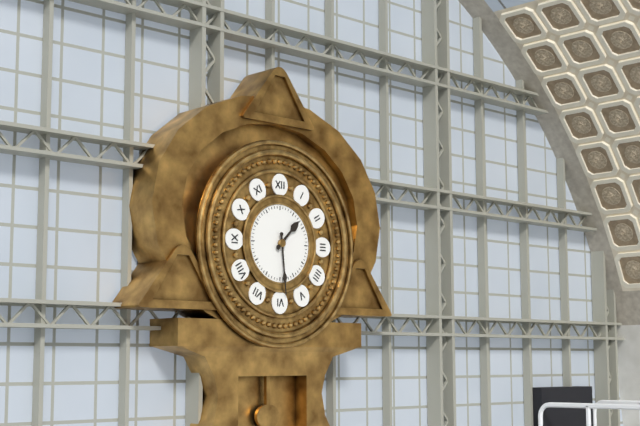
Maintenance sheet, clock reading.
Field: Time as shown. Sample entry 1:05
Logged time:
1:29
